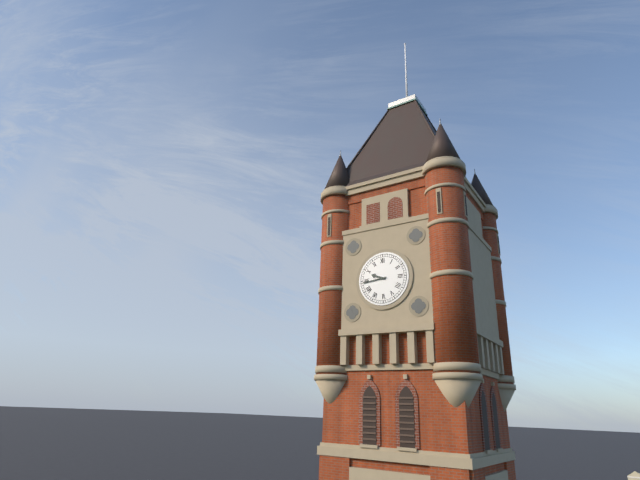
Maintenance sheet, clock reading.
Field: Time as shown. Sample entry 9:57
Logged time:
9:44
